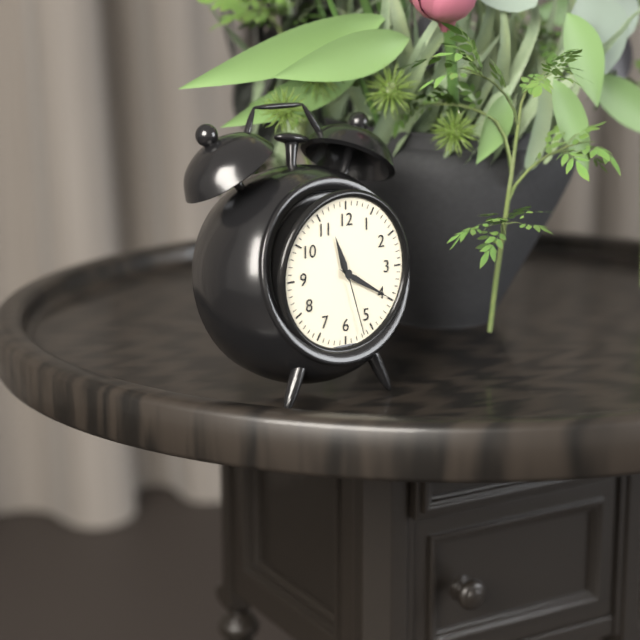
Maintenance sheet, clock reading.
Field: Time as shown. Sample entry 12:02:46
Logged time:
11:20:27
